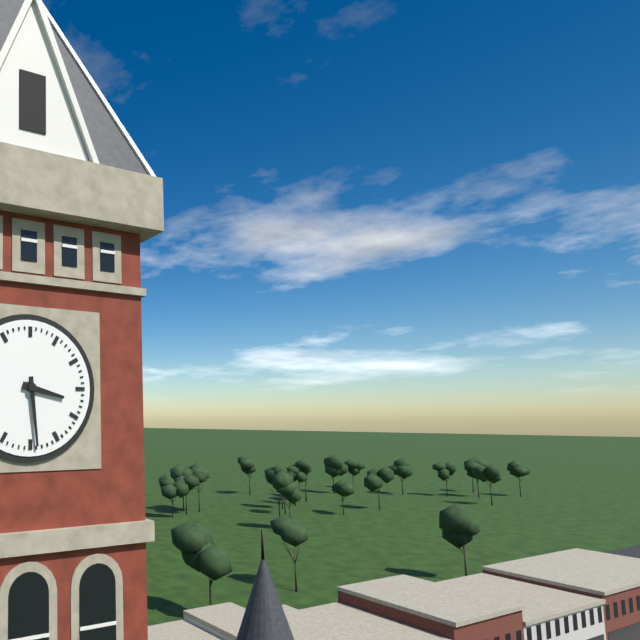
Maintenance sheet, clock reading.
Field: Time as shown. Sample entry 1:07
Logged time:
3:29
